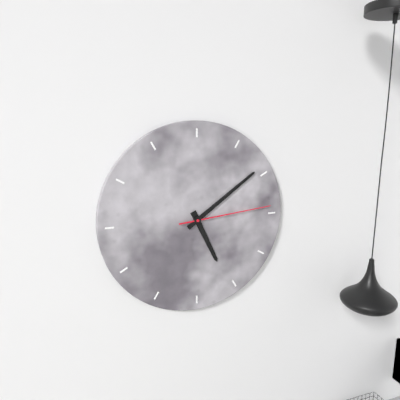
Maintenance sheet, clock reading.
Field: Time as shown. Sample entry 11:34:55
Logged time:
5:09:14
